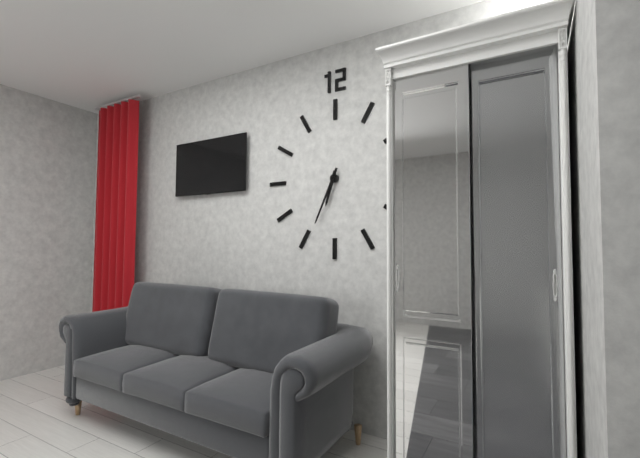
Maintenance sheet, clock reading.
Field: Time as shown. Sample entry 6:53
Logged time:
6:34
